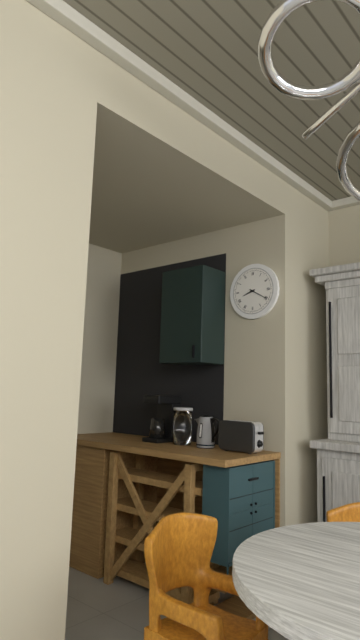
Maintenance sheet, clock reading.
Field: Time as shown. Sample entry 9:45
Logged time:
8:20
